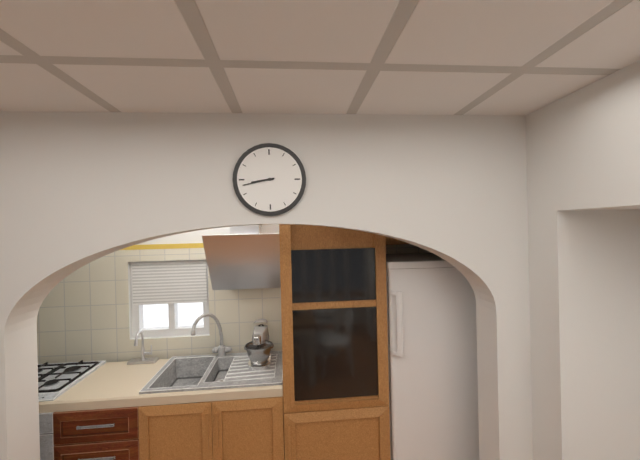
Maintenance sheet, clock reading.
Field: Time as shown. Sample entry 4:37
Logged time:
8:43
